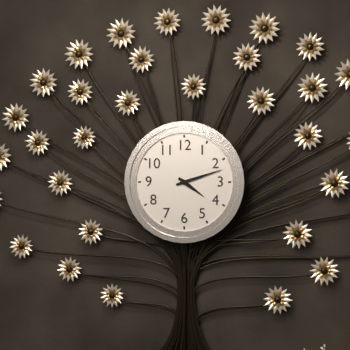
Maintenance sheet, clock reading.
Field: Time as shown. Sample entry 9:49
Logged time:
4:12
